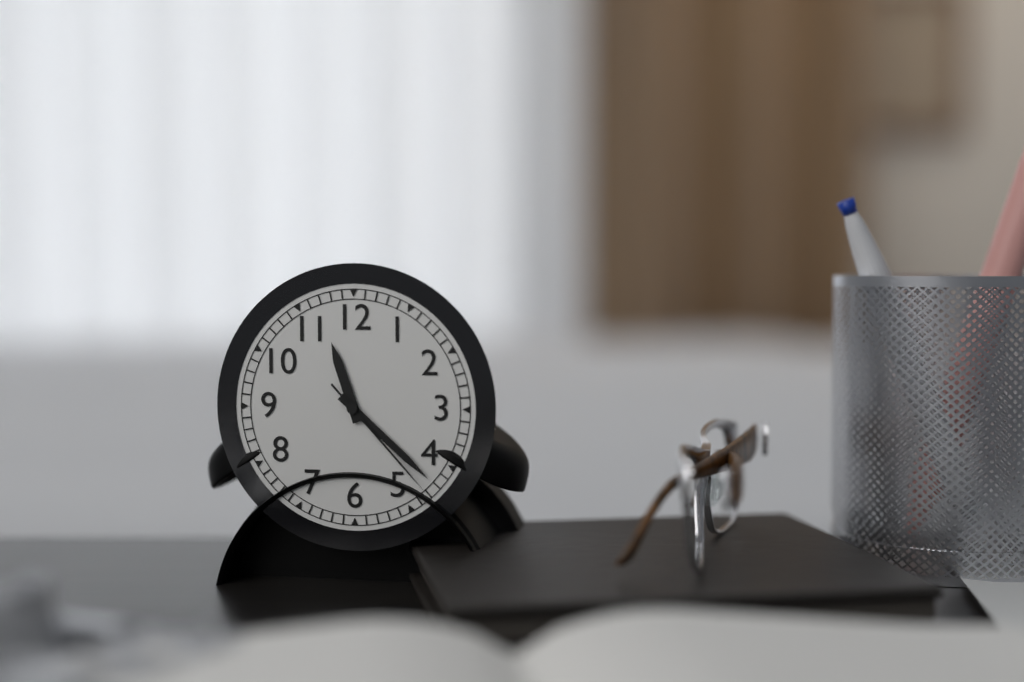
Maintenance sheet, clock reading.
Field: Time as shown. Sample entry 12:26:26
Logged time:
11:22:23
